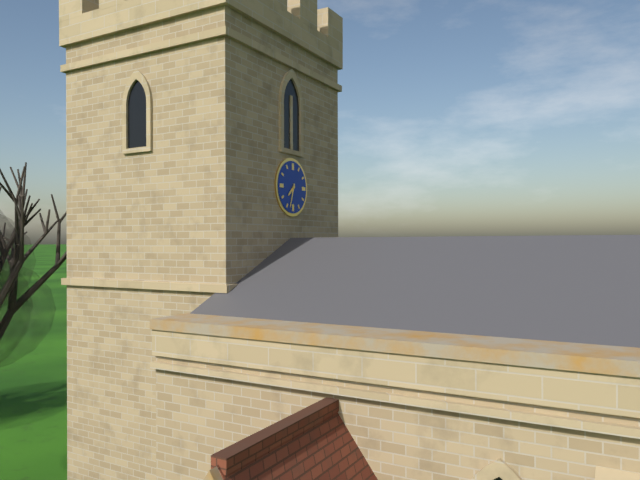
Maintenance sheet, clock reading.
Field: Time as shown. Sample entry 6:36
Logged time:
7:33
